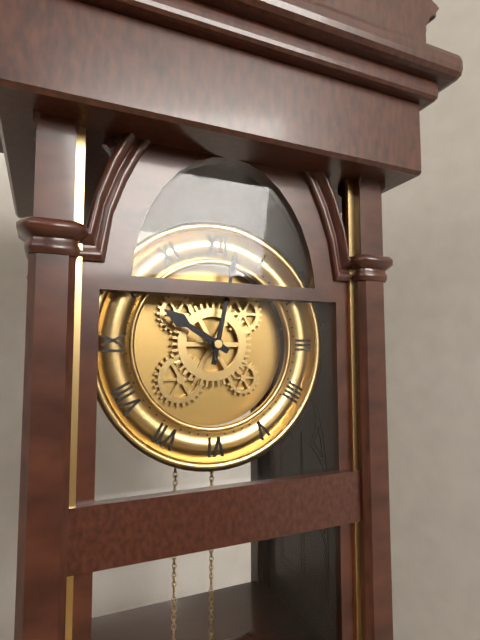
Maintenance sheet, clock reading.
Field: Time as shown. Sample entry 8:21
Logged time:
10:02
